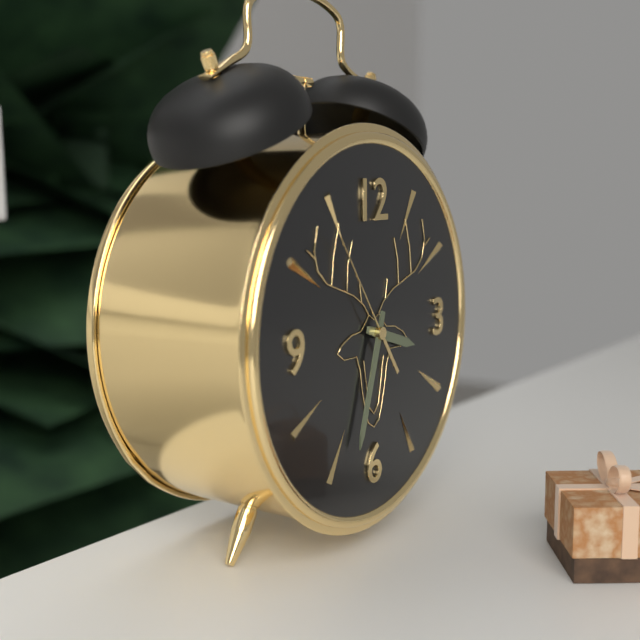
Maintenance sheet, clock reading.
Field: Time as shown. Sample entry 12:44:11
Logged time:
3:33:54
